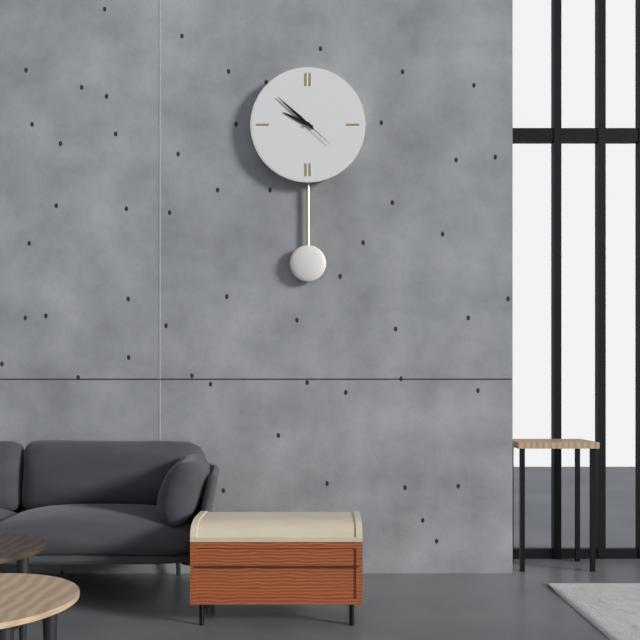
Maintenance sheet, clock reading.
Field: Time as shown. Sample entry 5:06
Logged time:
9:52
